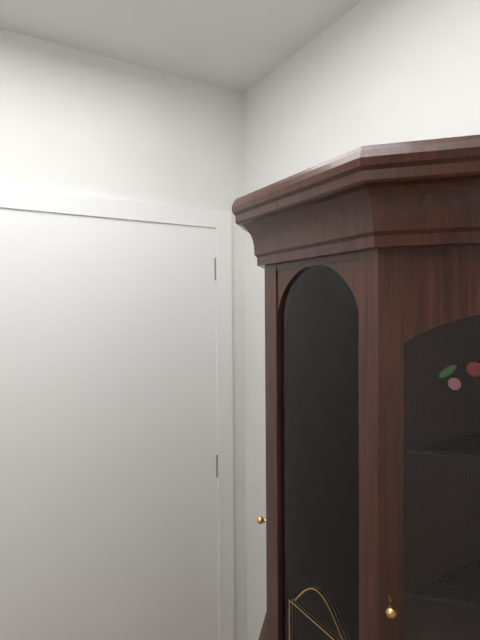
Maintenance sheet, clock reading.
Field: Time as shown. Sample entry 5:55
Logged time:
4:10
